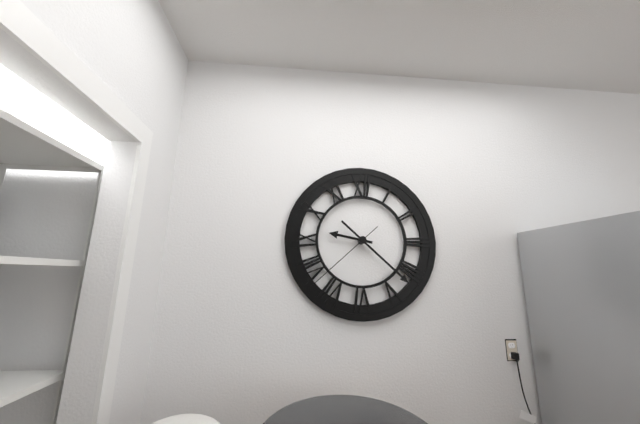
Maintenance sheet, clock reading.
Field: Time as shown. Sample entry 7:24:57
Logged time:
9:22:38
